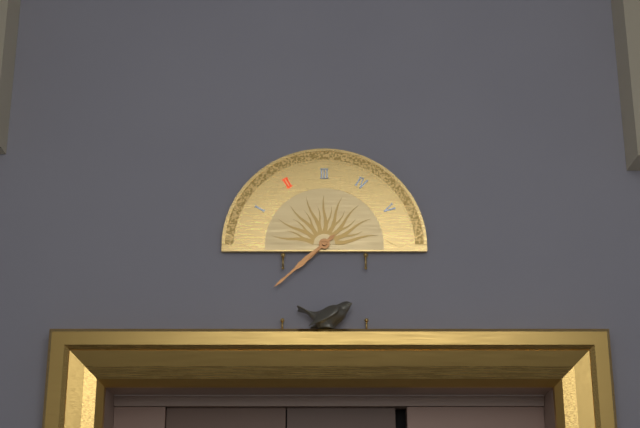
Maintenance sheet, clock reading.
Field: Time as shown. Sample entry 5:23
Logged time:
7:38
